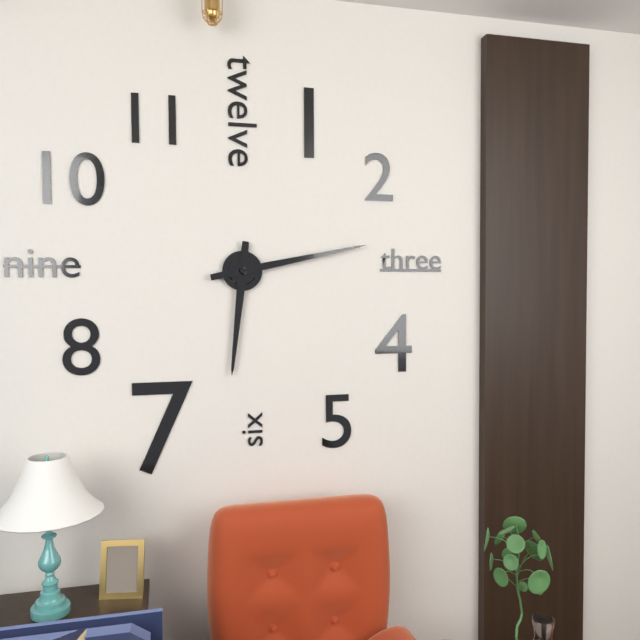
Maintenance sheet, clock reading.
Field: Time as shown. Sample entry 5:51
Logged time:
6:13
